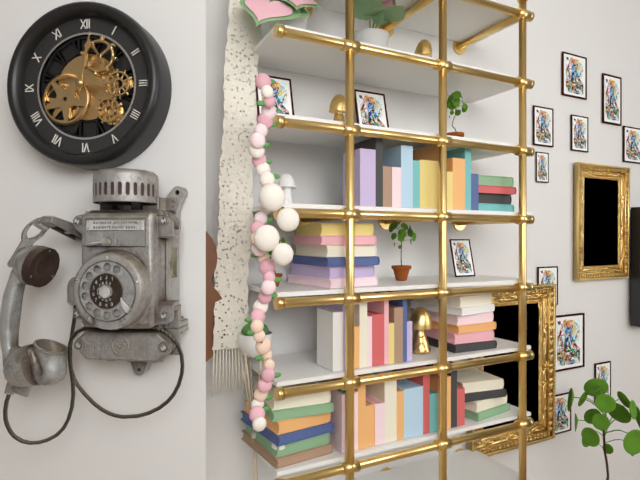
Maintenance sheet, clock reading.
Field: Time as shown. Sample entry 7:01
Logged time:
3:02
